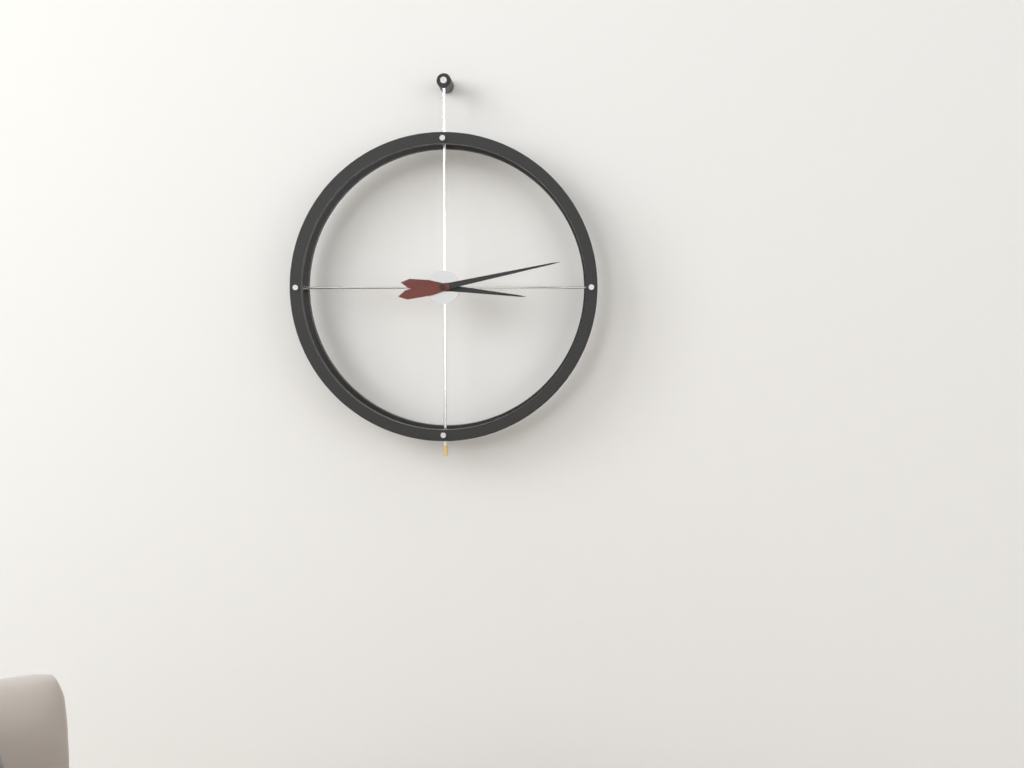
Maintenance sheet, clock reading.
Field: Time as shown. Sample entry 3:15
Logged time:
3:13
